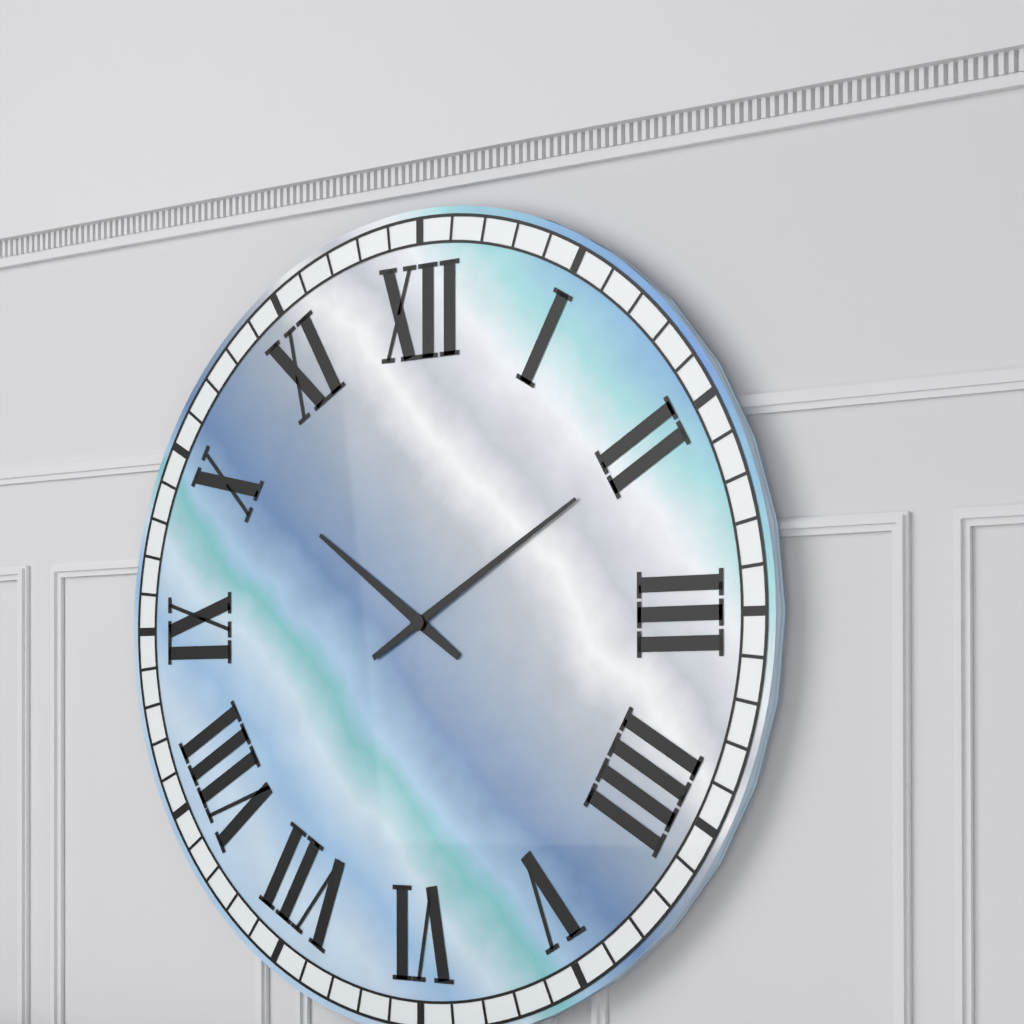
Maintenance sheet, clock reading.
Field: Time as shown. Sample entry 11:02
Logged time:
10:10
